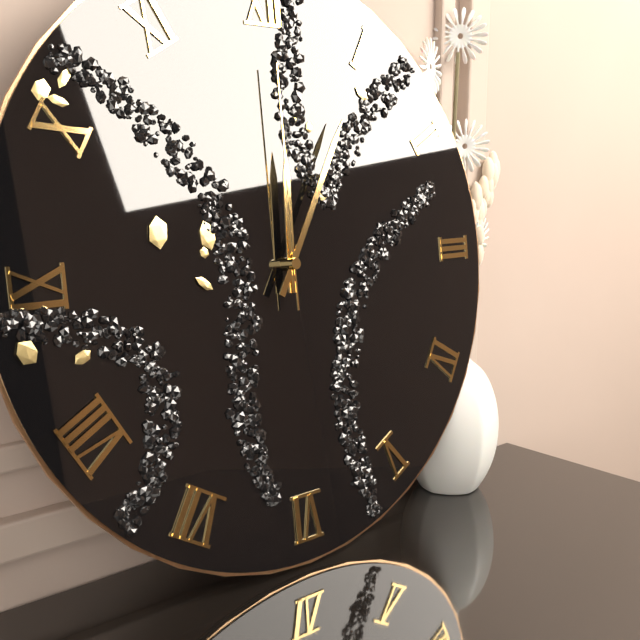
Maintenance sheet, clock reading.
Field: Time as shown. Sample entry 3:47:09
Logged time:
12:05:00
